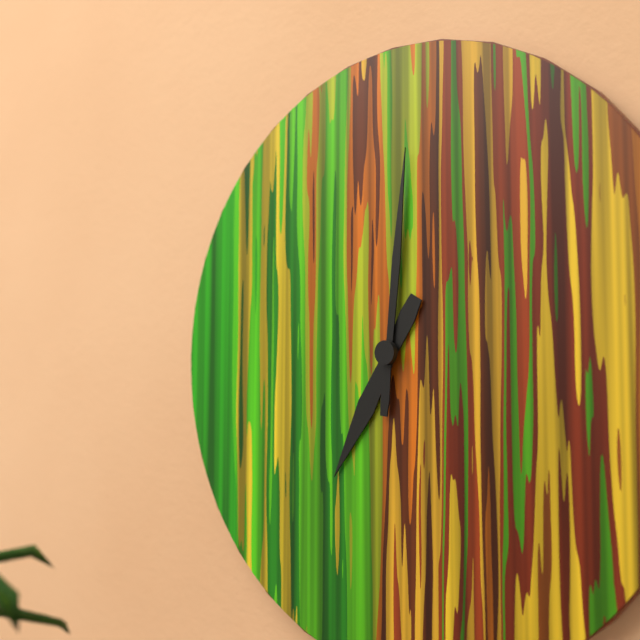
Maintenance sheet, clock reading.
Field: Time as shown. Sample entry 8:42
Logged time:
7:01
